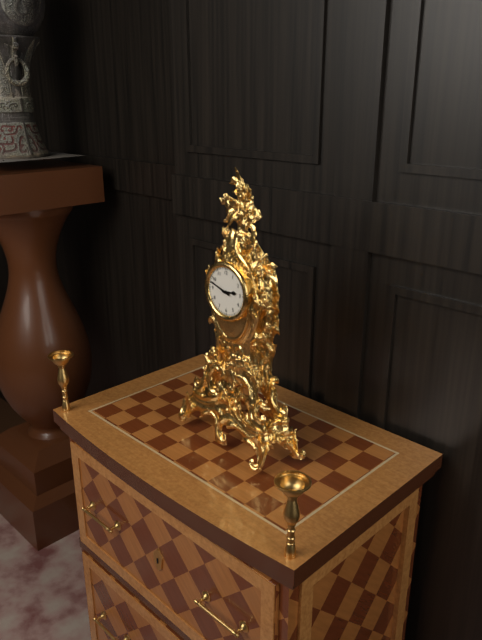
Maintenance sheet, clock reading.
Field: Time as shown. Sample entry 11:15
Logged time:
2:48
